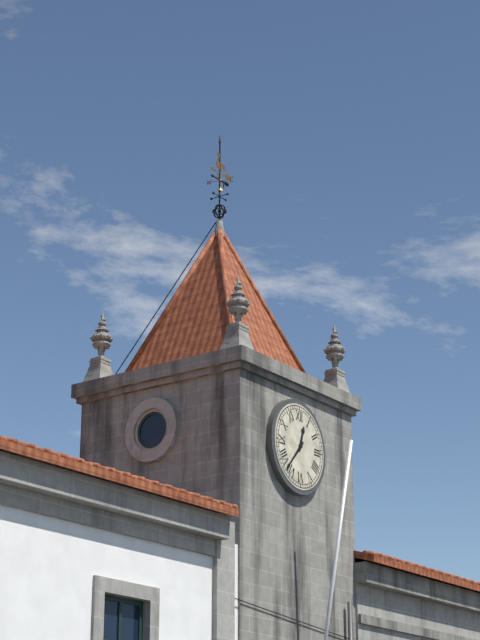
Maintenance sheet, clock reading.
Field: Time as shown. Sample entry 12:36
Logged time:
12:37
